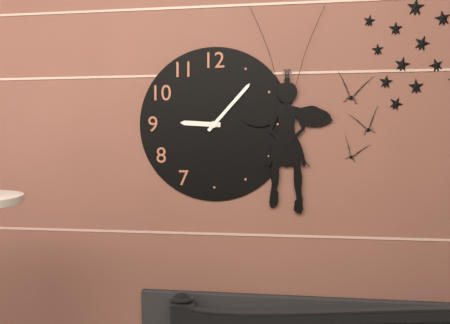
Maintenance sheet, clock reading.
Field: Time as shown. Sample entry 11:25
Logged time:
9:07
